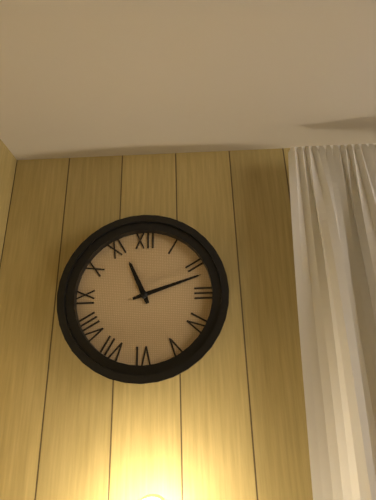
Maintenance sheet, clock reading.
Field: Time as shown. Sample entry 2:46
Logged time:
11:12
